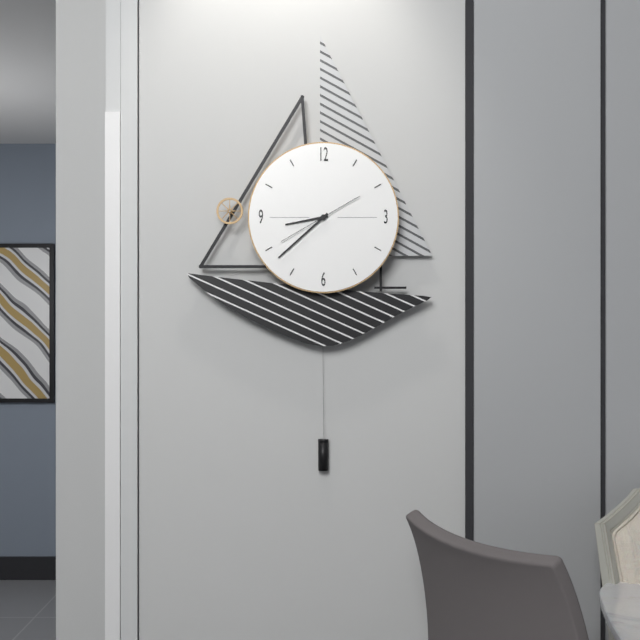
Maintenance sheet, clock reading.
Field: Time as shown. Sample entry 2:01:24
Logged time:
8:38:40
